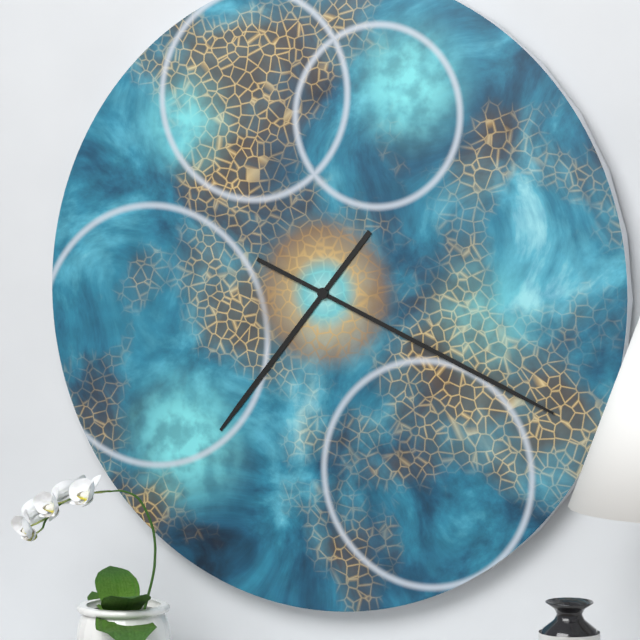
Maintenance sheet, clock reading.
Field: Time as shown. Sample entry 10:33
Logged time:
7:19
